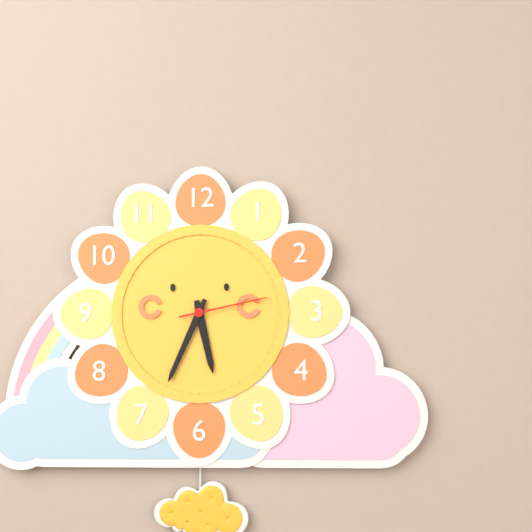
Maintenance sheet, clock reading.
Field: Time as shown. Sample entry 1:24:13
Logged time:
5:34:13
